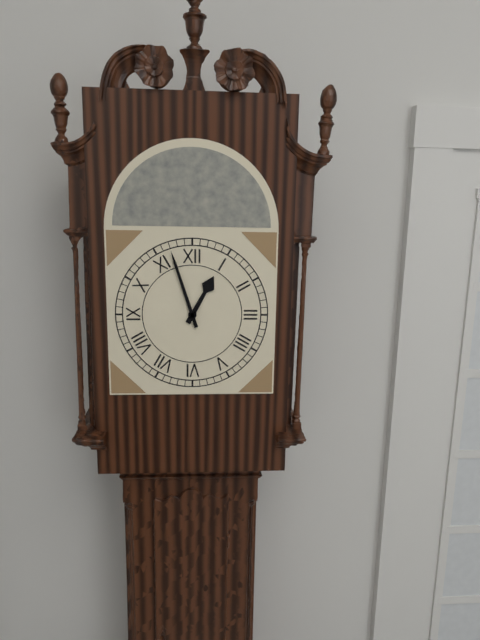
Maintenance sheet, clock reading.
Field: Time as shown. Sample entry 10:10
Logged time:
12:57
